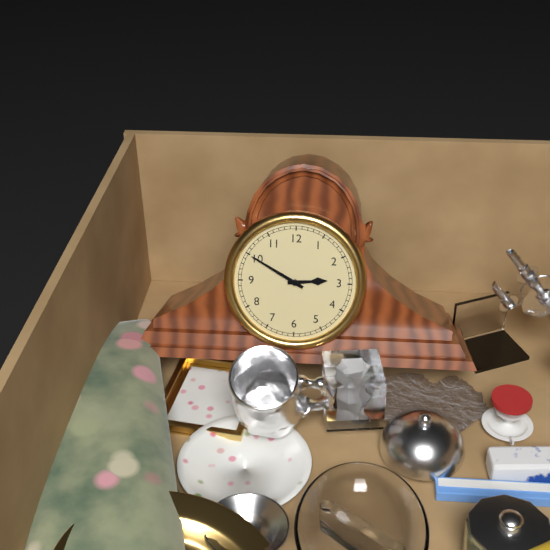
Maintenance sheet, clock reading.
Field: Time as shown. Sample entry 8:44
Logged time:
2:50
